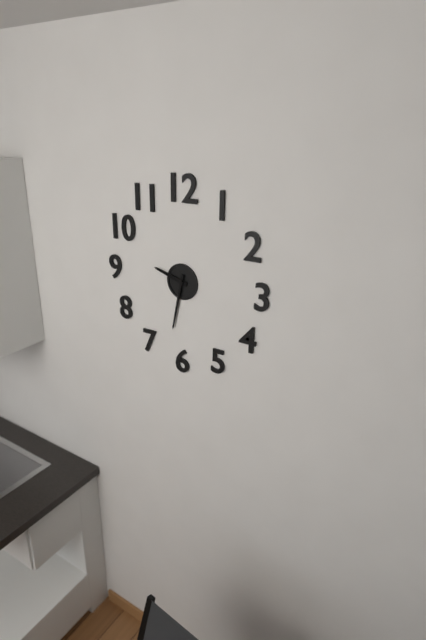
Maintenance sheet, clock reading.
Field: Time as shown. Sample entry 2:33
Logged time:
9:32
